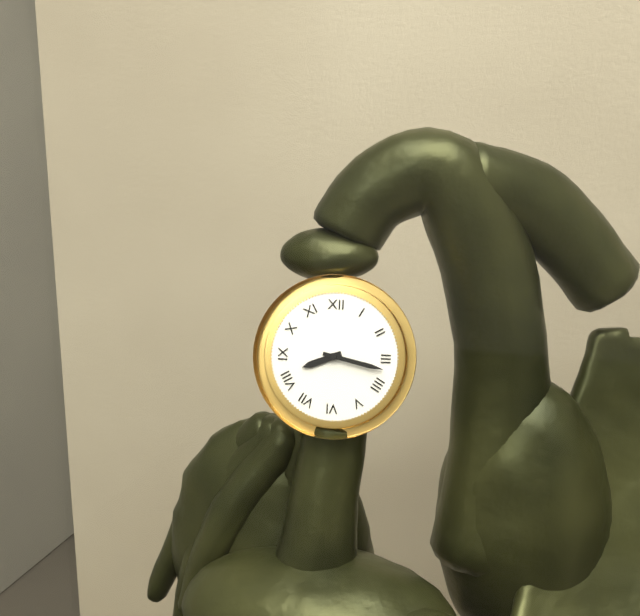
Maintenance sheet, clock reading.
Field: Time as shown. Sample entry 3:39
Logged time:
8:17
